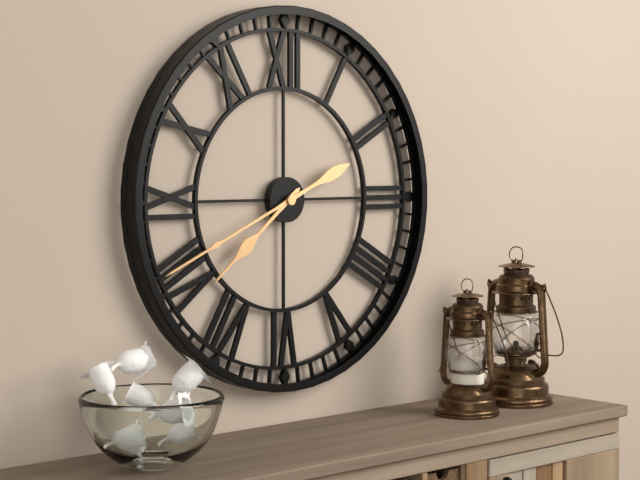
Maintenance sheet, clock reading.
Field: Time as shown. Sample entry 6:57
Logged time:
7:41
